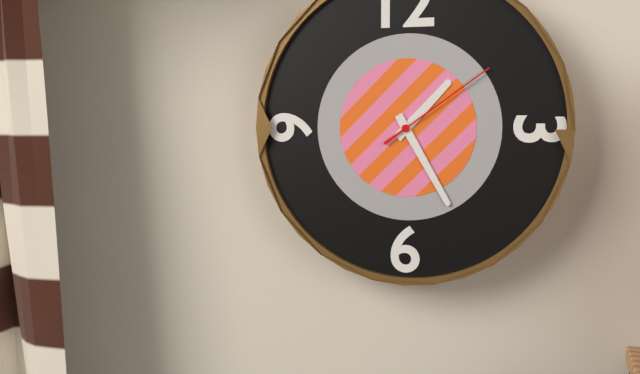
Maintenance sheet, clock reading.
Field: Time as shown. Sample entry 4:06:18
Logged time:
1:25:09
